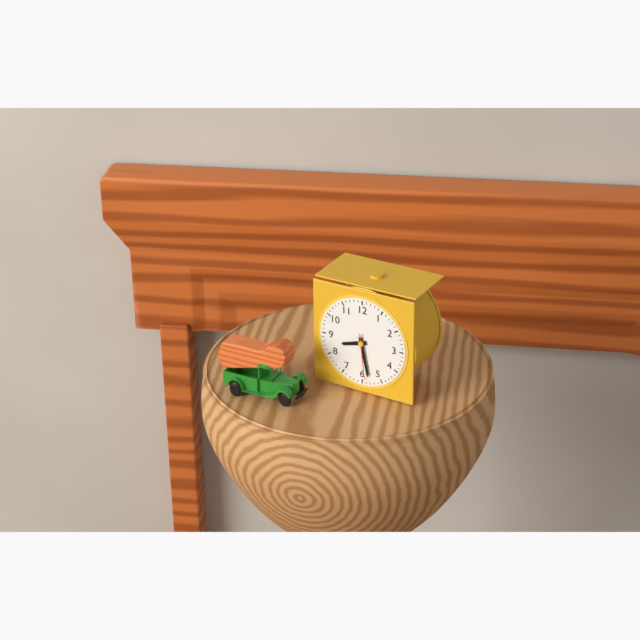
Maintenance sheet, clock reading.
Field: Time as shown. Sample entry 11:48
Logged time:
8:28
